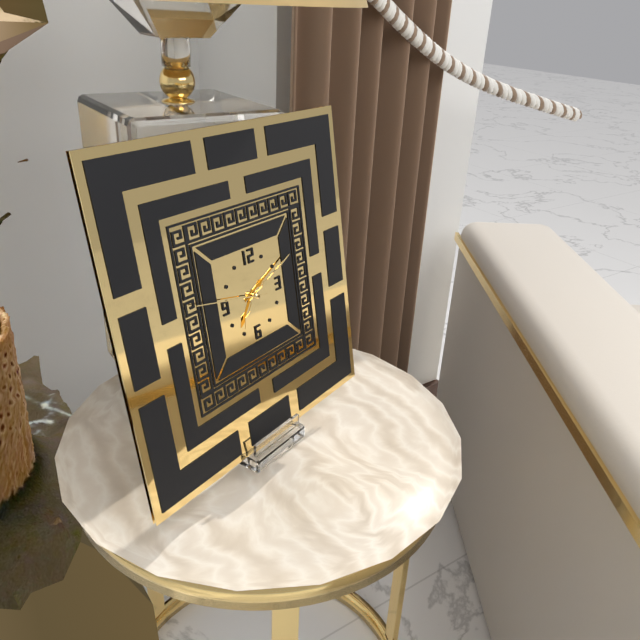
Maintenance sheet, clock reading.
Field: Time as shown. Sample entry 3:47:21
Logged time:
7:11:47
